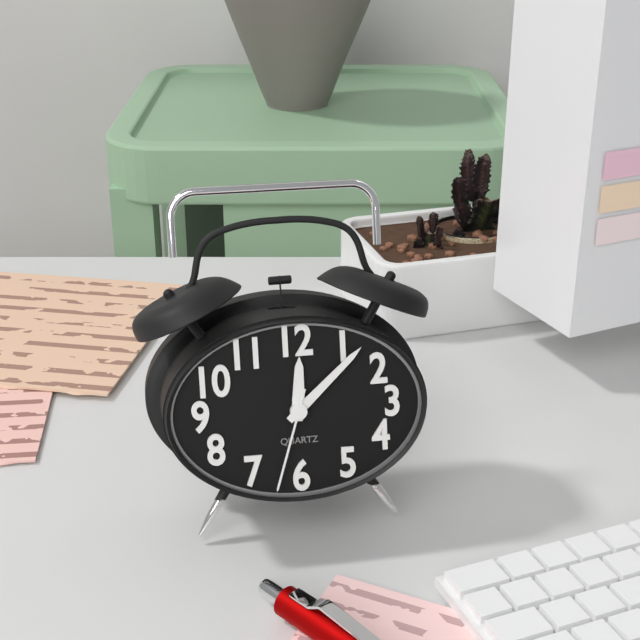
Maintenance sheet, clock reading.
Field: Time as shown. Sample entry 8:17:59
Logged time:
12:08:33
